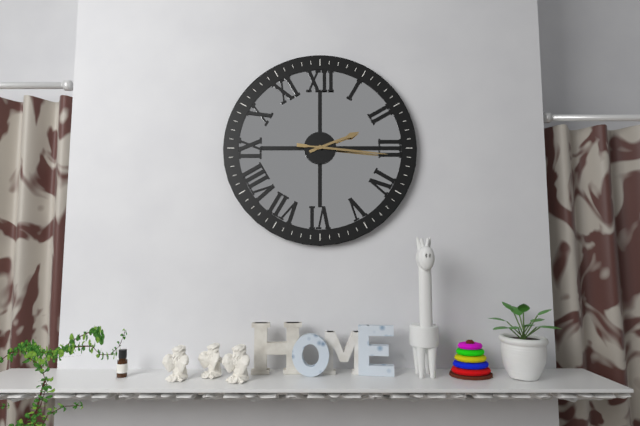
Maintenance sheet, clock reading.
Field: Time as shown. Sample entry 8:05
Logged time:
2:16
